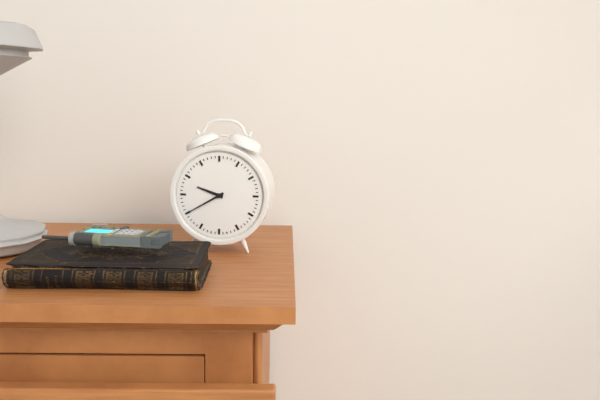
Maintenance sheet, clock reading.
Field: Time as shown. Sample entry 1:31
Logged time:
9:40
